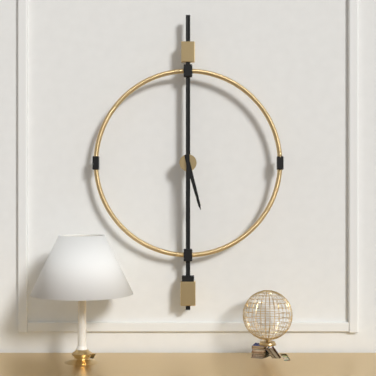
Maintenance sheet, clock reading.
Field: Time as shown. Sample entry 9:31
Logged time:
5:30
